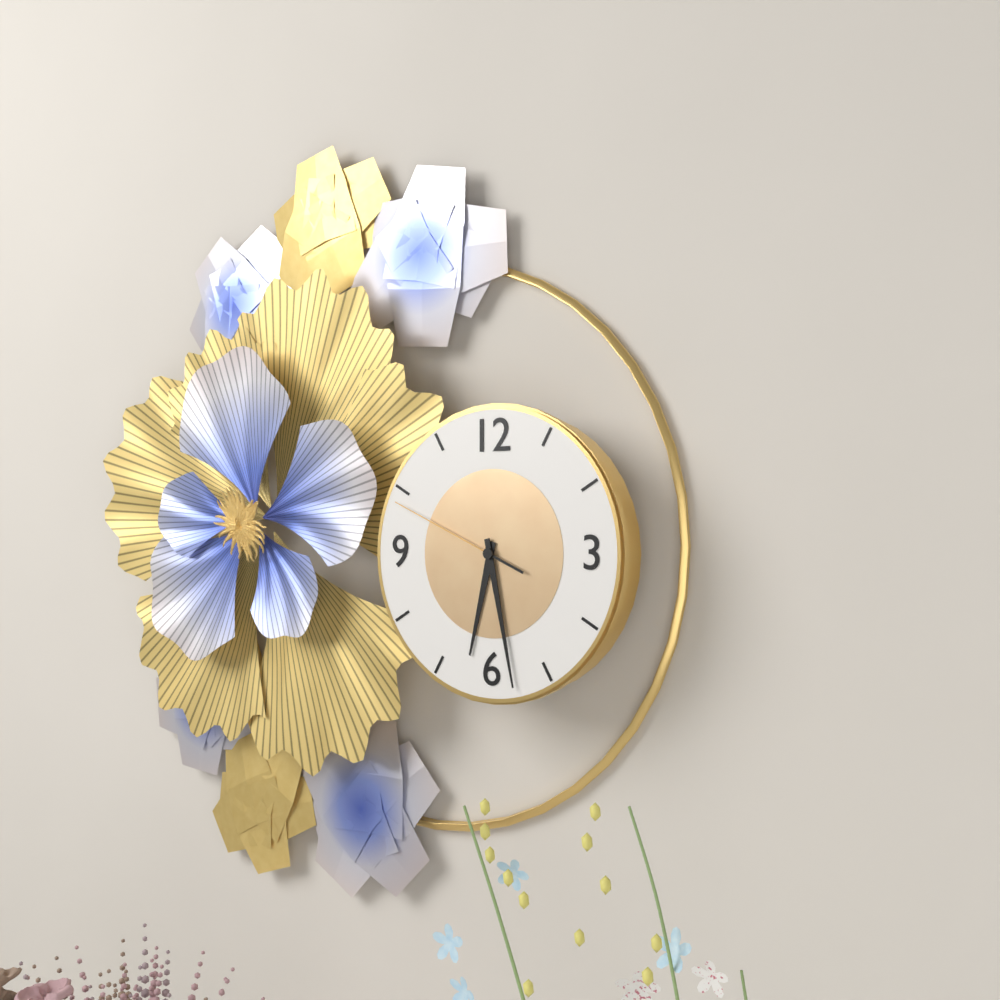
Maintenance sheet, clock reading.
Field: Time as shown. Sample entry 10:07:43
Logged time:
6:28:49
